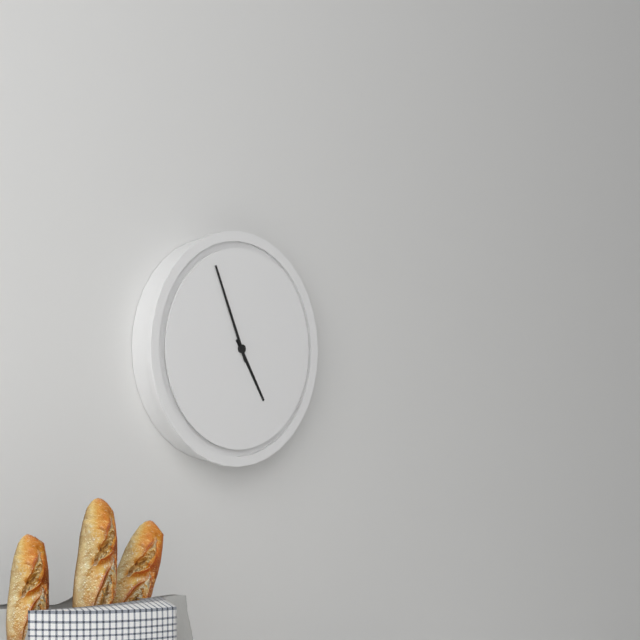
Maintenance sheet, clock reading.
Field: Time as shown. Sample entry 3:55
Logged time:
4:56
